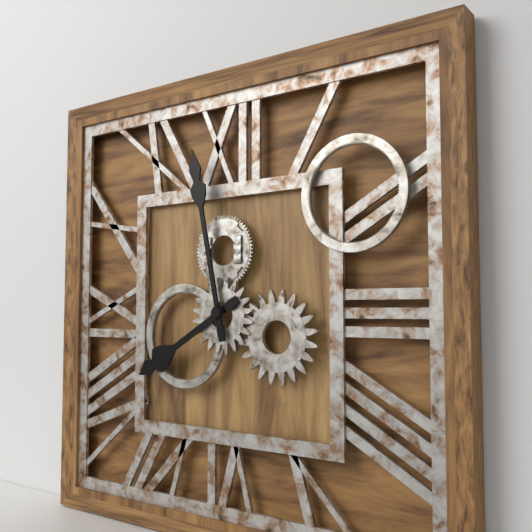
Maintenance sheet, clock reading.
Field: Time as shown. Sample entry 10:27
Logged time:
7:58
